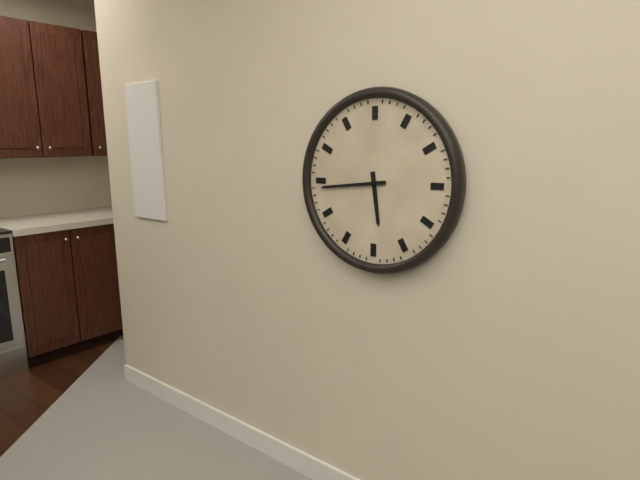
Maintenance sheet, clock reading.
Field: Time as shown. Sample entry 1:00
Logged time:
5:44
